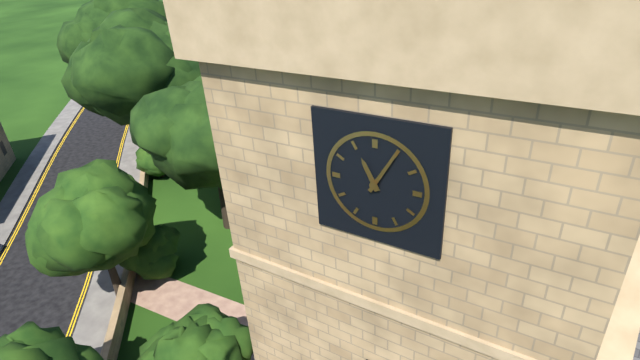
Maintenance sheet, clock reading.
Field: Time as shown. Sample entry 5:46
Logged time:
11:05
